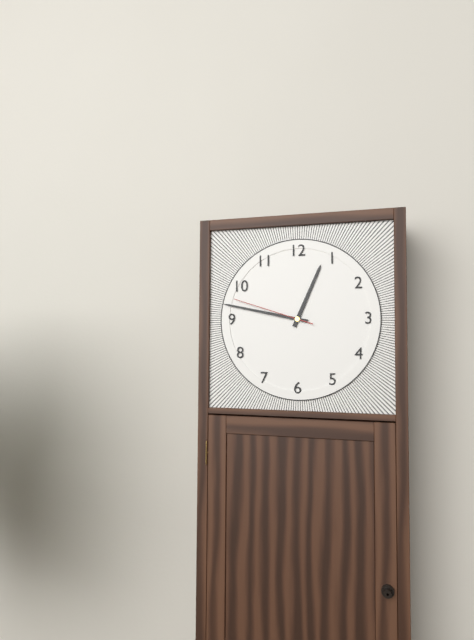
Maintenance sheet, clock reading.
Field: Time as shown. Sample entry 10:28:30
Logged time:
12:47:48
